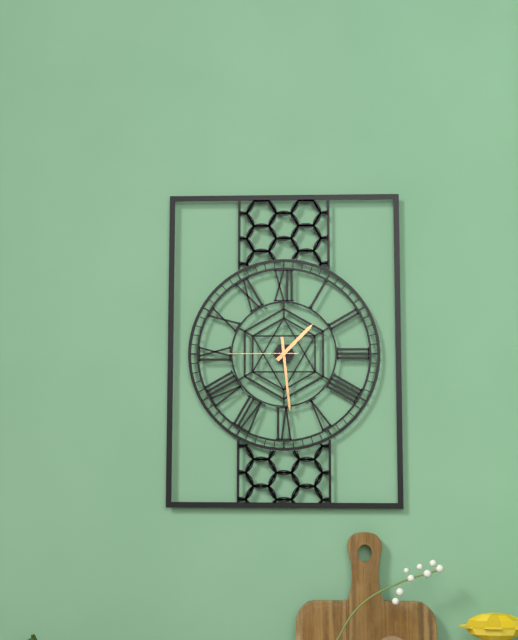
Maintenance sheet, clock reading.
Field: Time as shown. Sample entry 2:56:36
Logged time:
1:29:45
